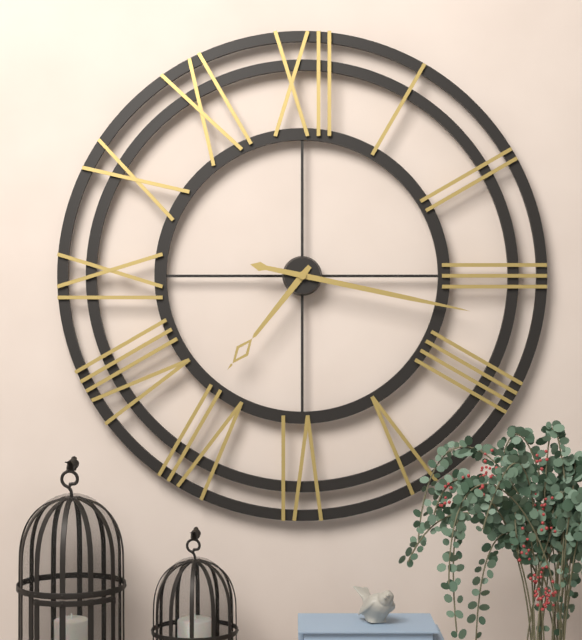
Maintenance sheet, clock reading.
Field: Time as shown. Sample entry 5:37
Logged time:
7:17
